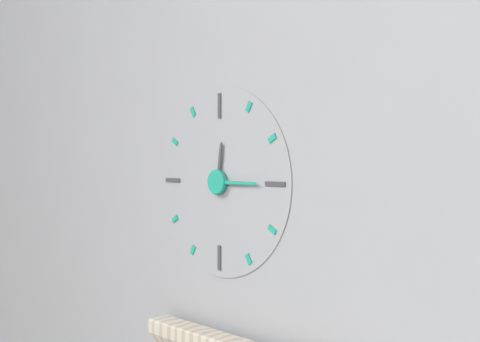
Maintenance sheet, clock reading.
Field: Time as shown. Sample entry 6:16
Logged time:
12:15
